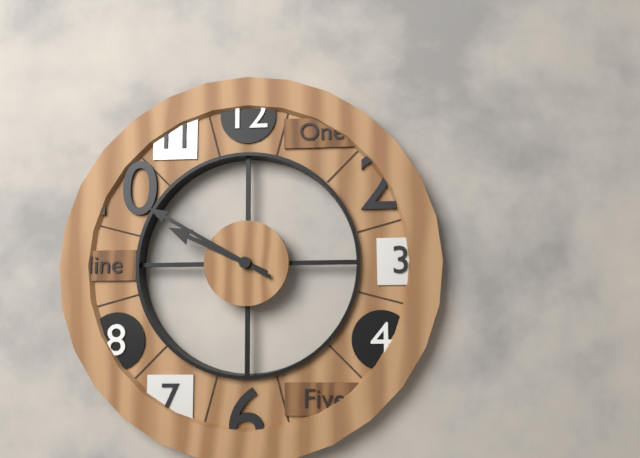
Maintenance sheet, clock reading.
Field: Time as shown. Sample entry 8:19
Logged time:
9:50
